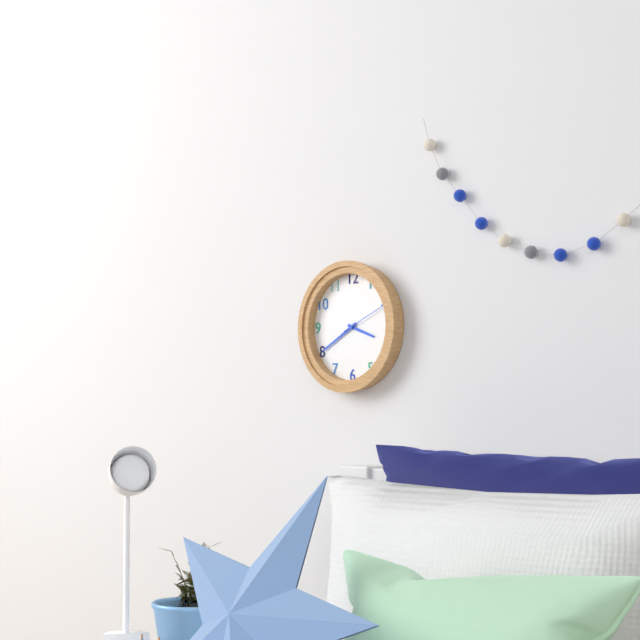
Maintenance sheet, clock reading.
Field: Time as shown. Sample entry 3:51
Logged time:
3:40
